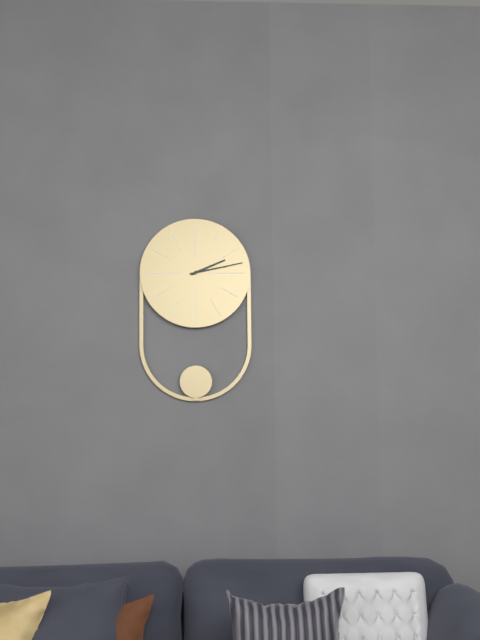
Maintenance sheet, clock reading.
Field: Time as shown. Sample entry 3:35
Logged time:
2:13
